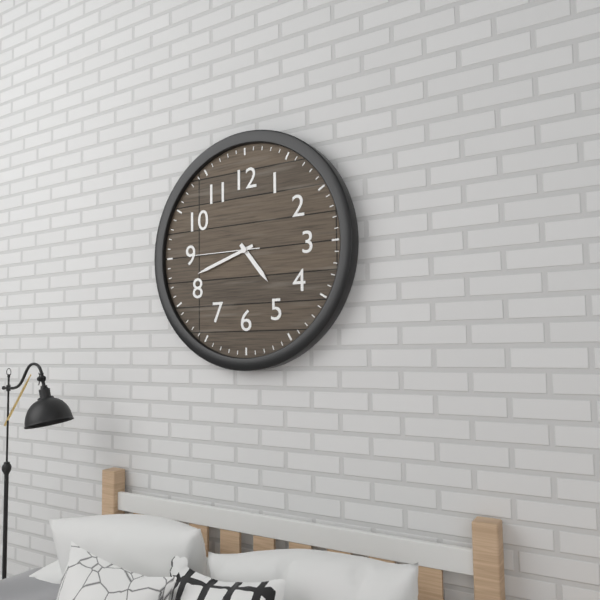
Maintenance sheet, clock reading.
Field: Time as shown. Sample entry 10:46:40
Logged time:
4:42:45
